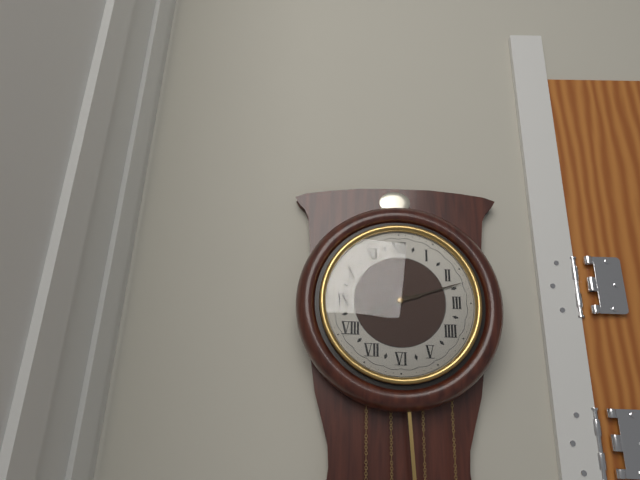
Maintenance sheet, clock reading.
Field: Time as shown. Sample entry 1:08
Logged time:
8:12
